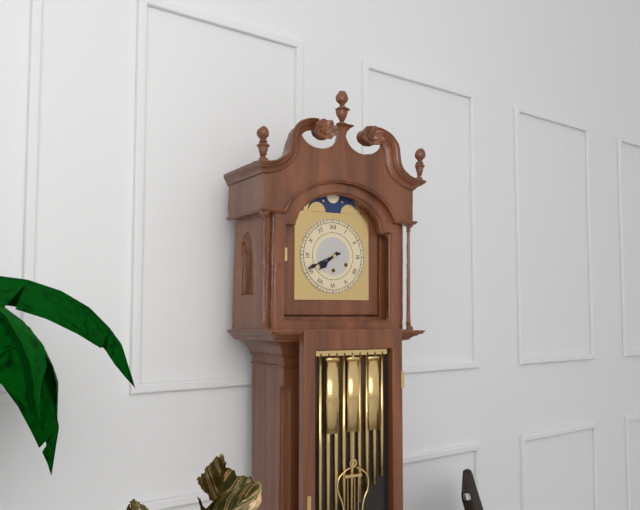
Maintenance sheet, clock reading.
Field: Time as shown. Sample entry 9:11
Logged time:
7:41
